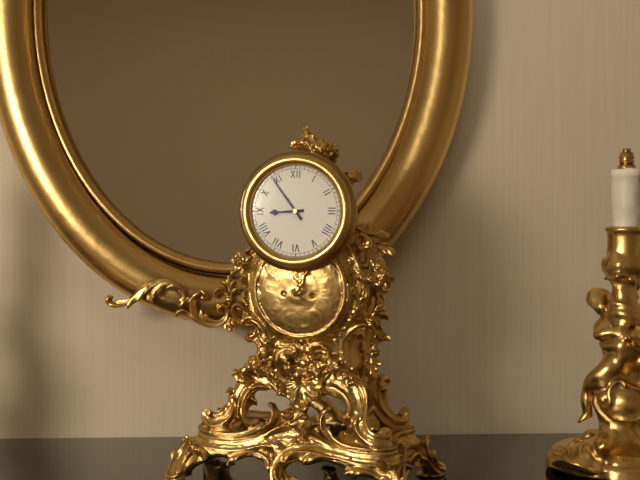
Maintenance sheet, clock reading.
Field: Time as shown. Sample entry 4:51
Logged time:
8:54
